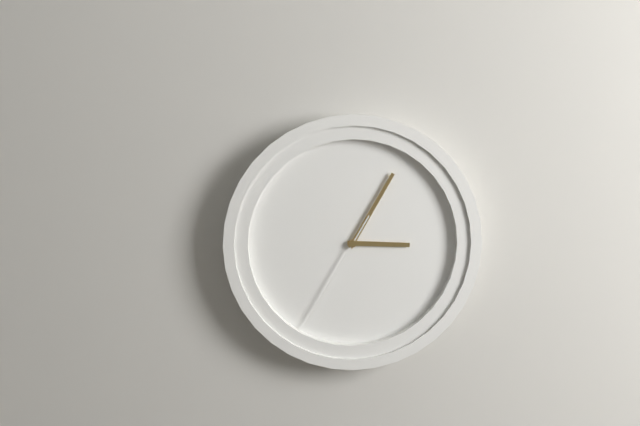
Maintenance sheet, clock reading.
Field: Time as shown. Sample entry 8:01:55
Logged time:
3:05:35
